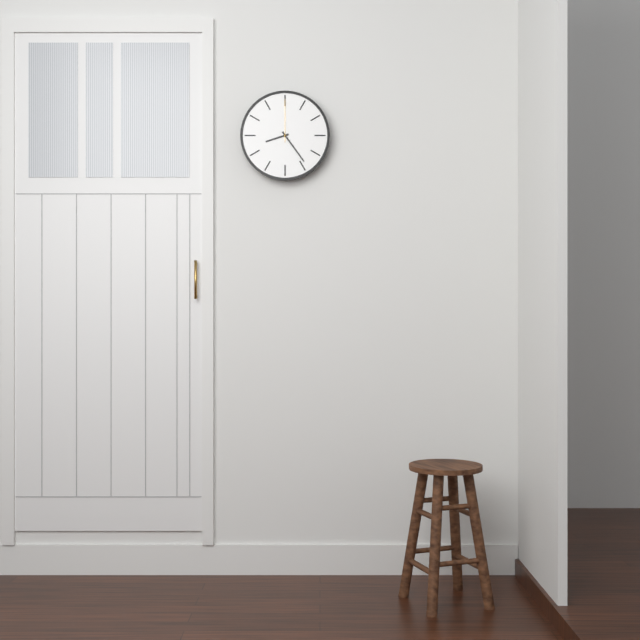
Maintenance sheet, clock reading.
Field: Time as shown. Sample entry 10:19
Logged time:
8:24
